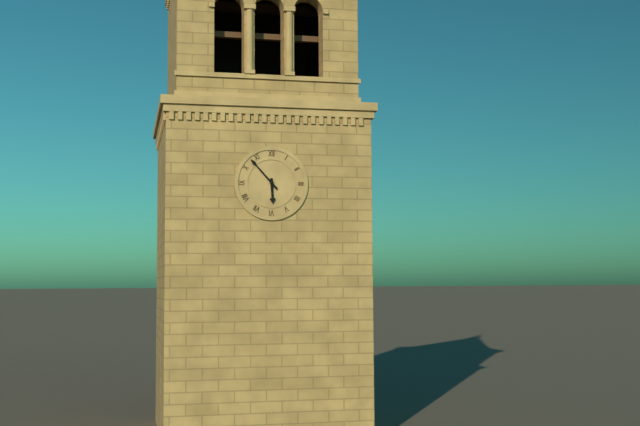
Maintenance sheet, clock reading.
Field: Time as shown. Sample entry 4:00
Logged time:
5:53
